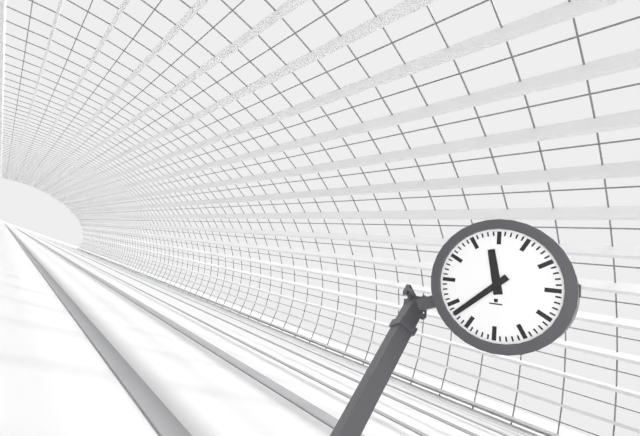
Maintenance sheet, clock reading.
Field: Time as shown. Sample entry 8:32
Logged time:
11:38
